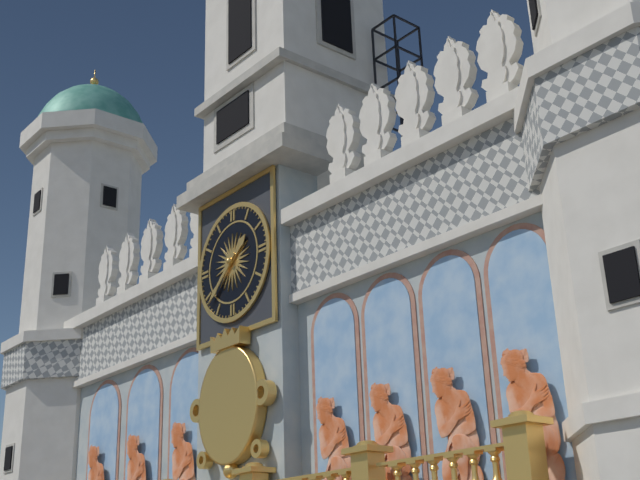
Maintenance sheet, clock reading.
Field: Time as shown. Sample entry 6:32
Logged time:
1:38
